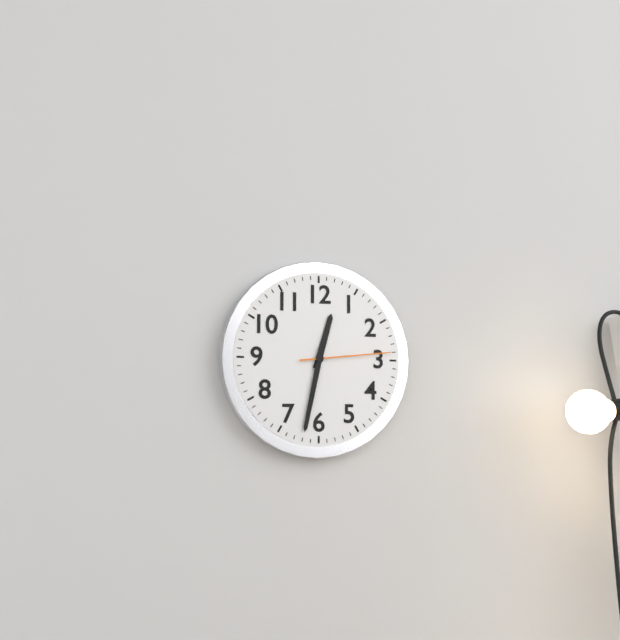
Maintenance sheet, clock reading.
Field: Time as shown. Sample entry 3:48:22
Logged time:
12:32:14
